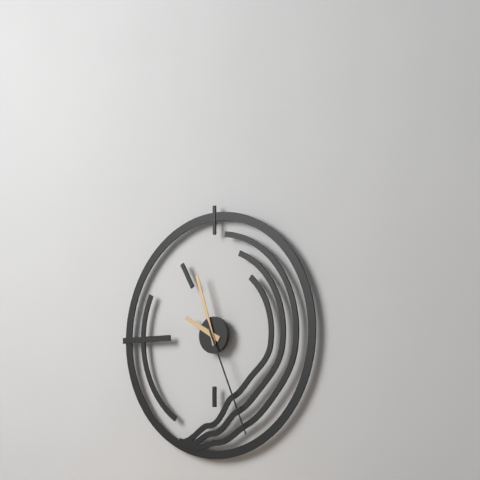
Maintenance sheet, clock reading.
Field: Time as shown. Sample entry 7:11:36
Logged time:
9:57:26
